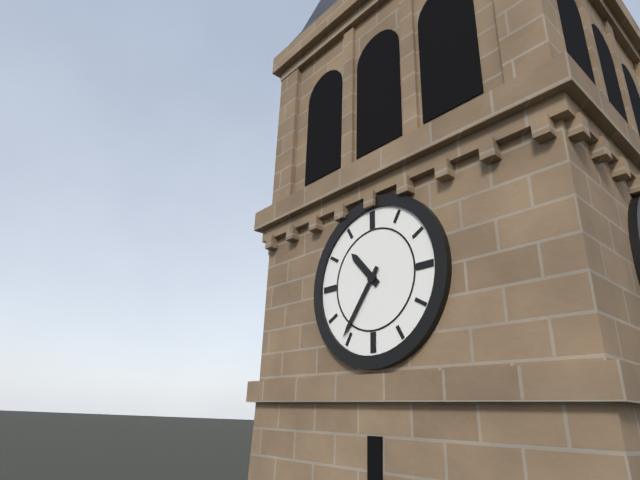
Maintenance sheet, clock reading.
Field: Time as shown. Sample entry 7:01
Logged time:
10:36
